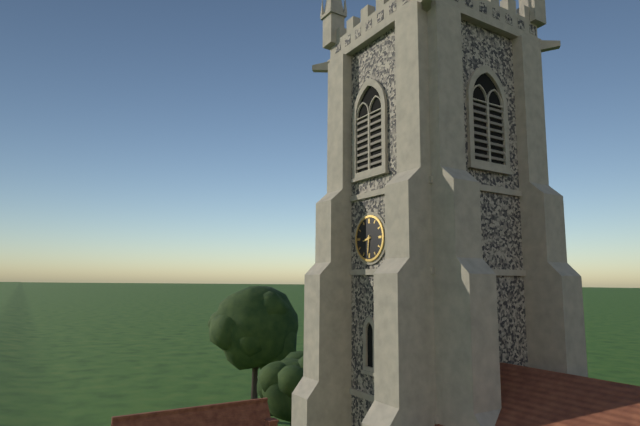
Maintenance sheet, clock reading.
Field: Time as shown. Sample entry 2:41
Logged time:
8:31
